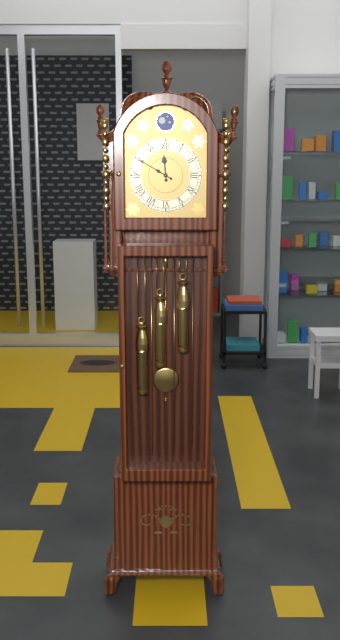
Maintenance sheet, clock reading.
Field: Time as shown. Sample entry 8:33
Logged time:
11:50
